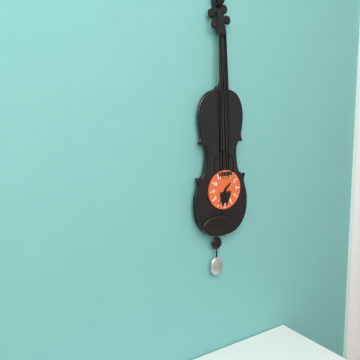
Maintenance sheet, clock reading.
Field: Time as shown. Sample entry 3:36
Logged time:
1:35
